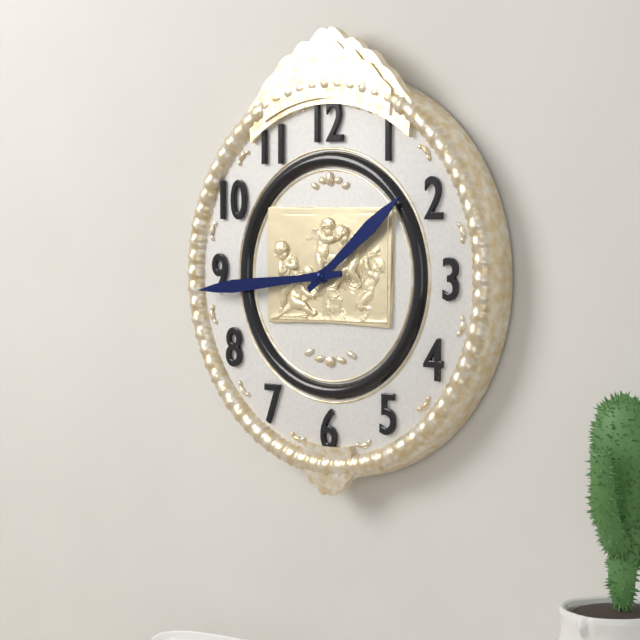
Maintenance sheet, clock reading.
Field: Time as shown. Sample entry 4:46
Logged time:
1:44
